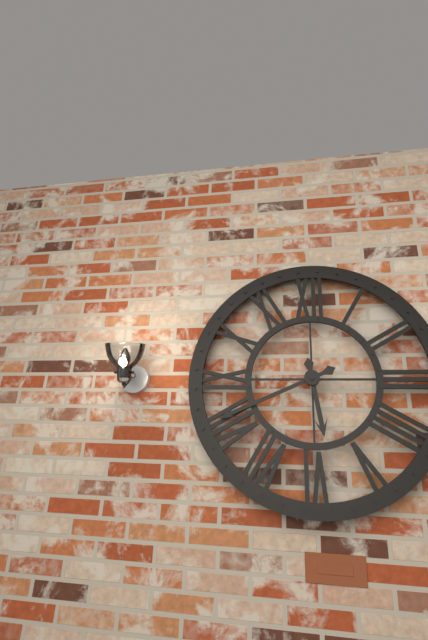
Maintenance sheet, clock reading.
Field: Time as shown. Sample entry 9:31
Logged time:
5:41
